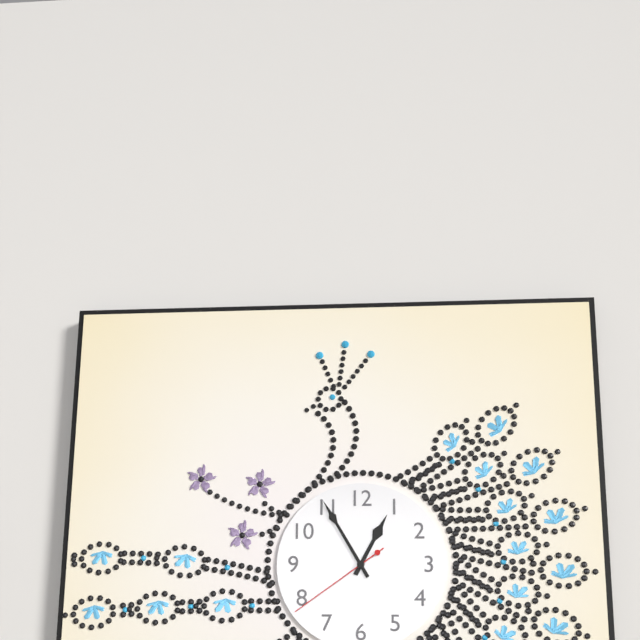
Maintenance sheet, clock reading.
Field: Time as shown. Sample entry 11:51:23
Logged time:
12:55:39
